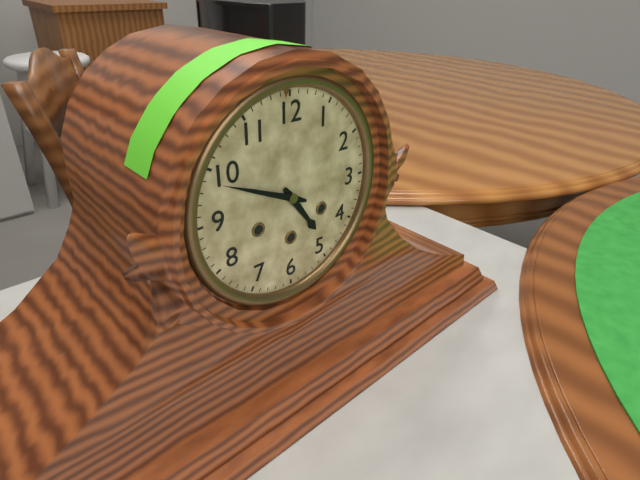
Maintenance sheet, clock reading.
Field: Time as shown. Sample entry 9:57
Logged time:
4:49
